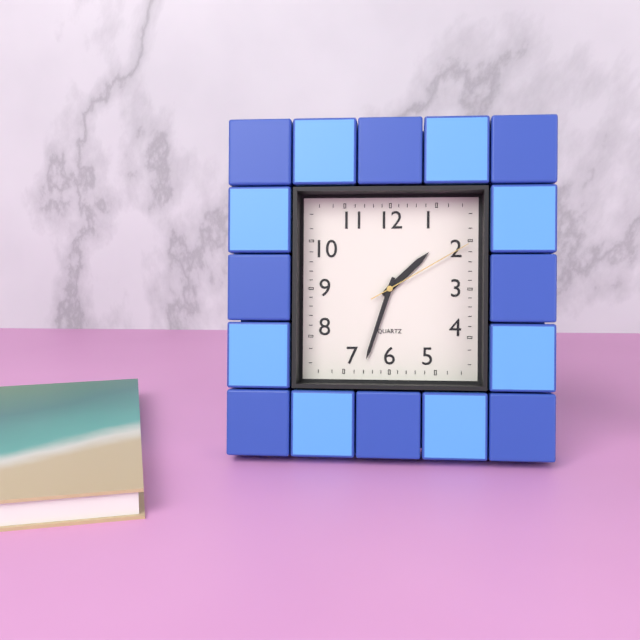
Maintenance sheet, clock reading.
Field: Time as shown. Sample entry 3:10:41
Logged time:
1:33:10
